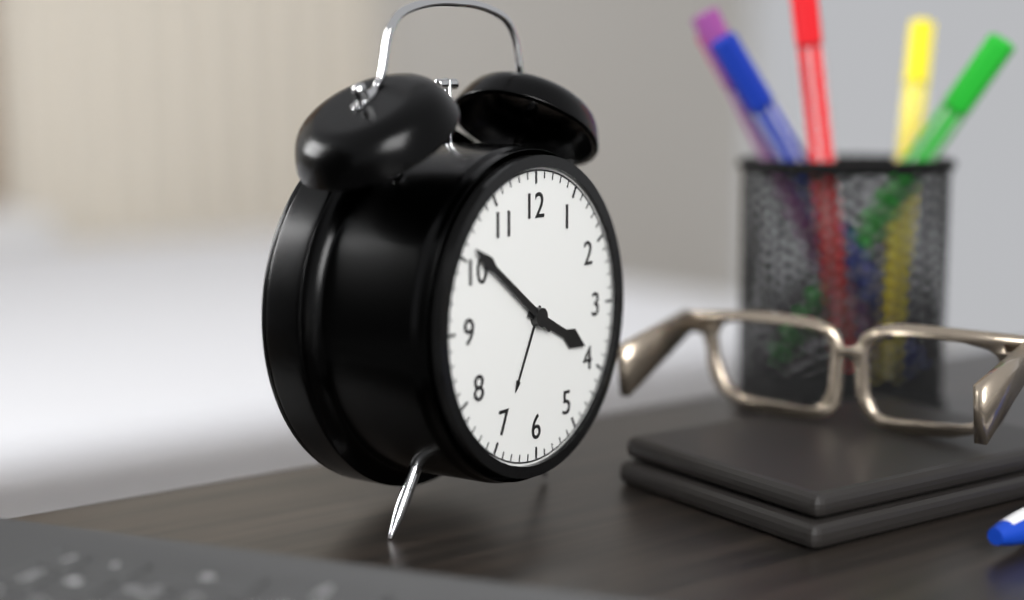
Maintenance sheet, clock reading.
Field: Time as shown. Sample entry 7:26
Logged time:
3:51
